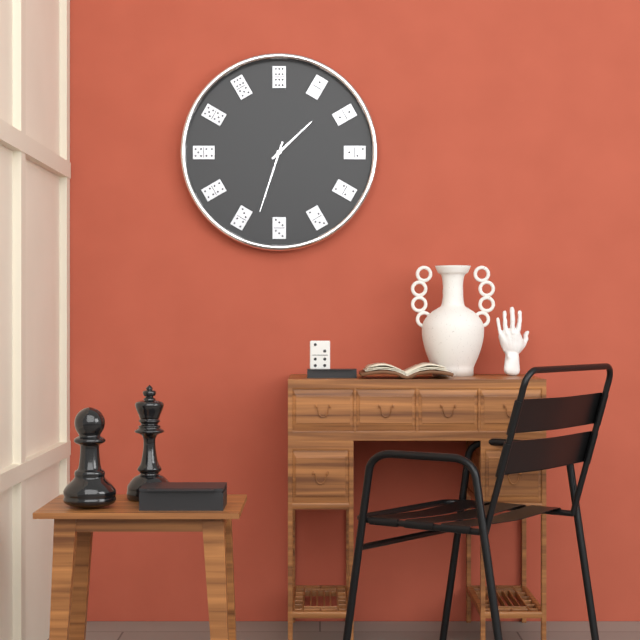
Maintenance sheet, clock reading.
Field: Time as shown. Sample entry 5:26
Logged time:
1:33
